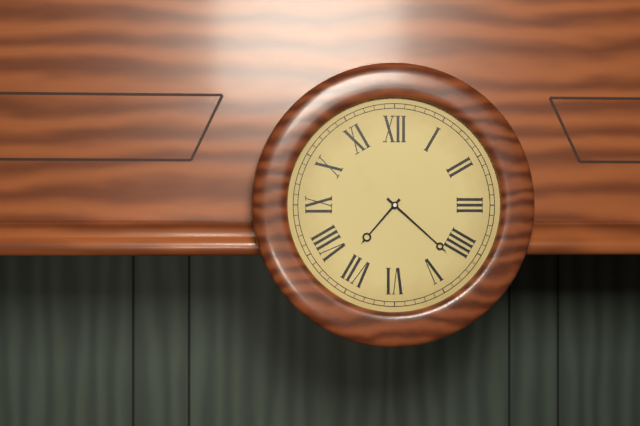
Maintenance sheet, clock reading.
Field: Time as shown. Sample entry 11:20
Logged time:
7:22
